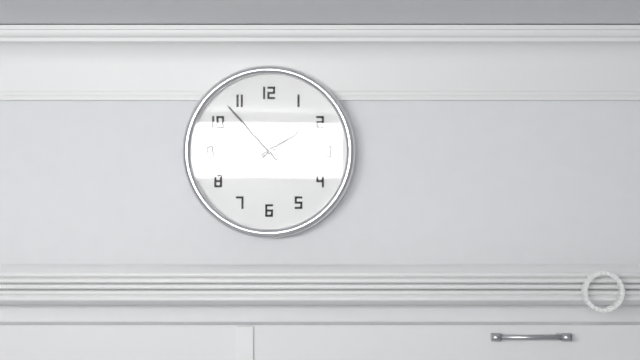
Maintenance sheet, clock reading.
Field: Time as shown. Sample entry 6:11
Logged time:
1:53
